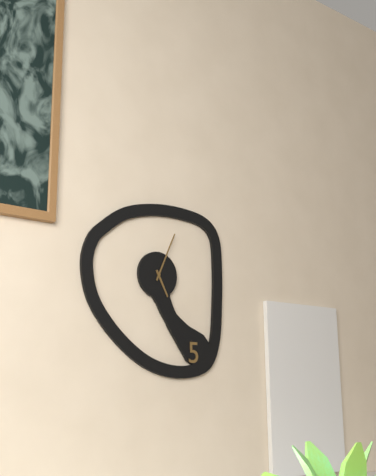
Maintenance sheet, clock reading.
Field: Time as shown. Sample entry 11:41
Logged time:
5:04
